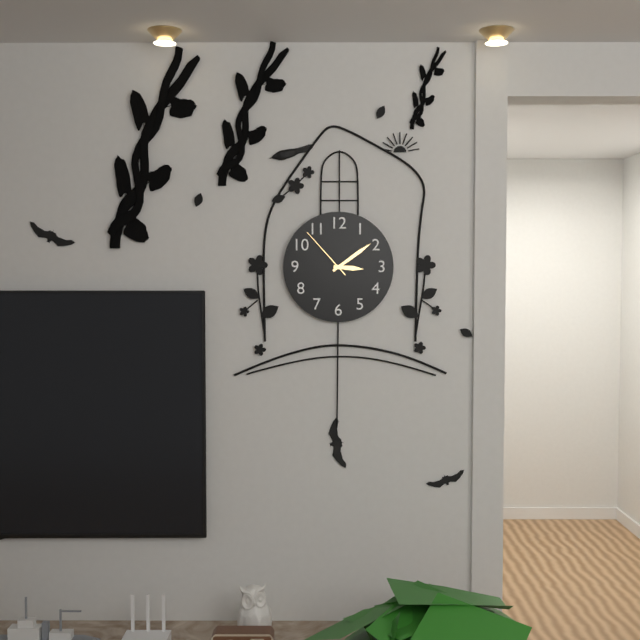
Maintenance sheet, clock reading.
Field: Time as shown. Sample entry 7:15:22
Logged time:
3:09:53
